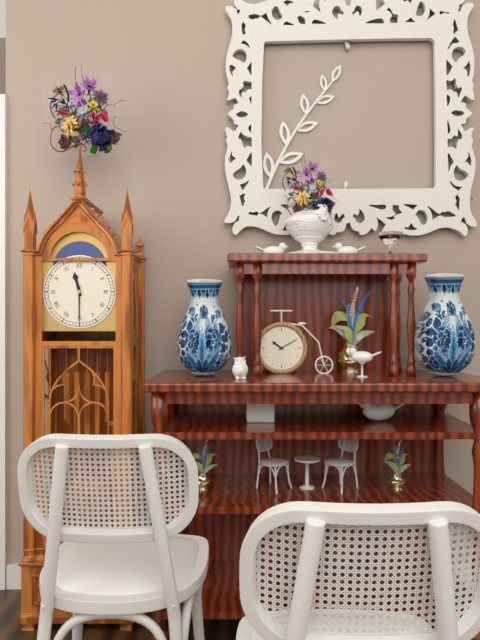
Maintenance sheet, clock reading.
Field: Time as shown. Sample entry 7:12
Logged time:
11:30
